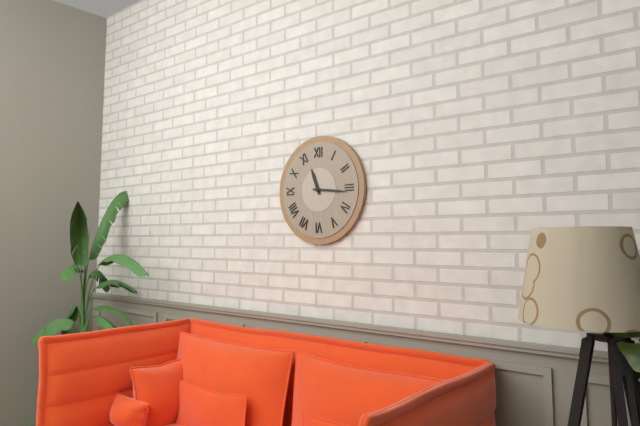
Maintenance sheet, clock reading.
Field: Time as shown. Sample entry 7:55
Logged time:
11:16
